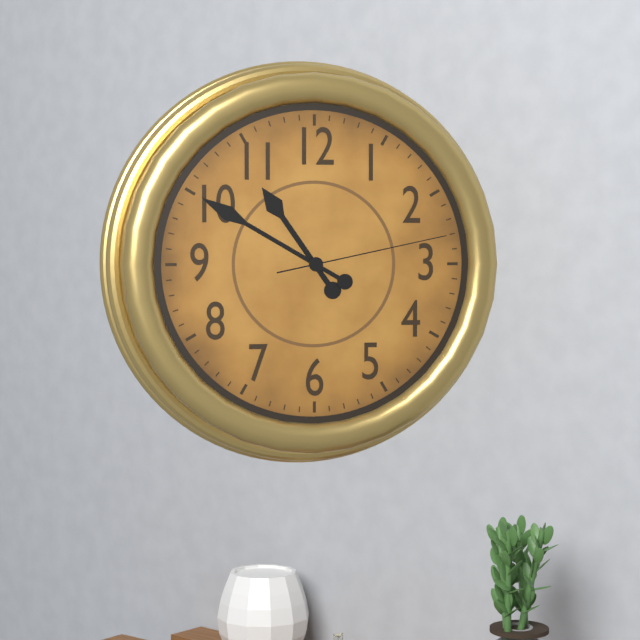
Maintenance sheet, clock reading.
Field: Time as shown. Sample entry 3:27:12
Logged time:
10:50:13
